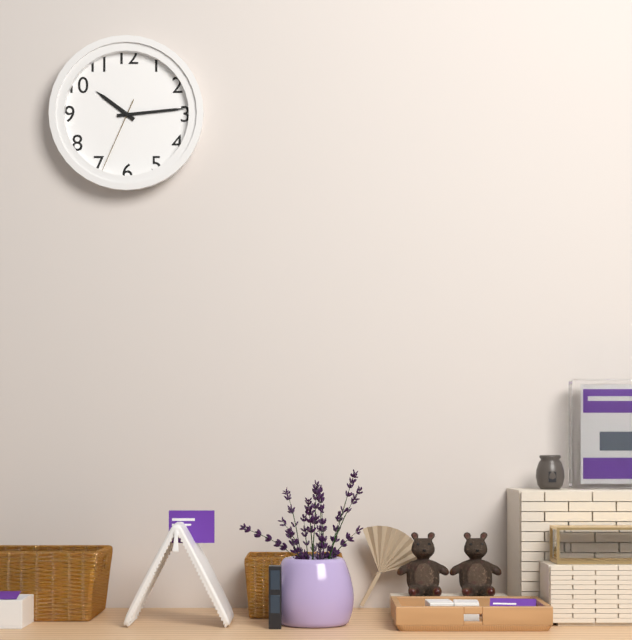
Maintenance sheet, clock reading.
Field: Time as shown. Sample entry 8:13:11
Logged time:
10:14:34
